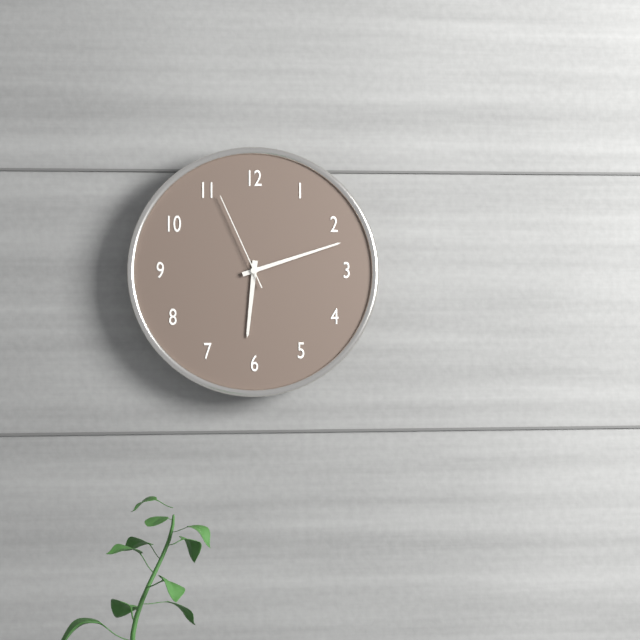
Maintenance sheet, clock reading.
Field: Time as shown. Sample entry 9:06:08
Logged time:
6:12:56
